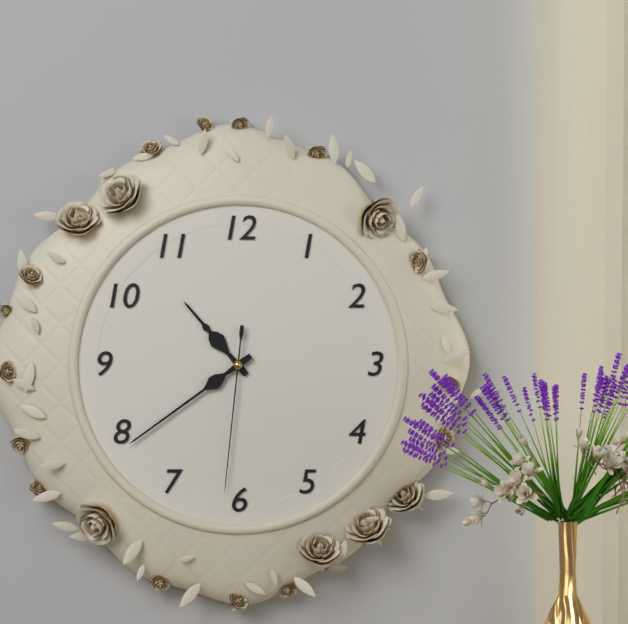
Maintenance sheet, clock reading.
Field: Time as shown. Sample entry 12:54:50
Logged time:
10:39:31
